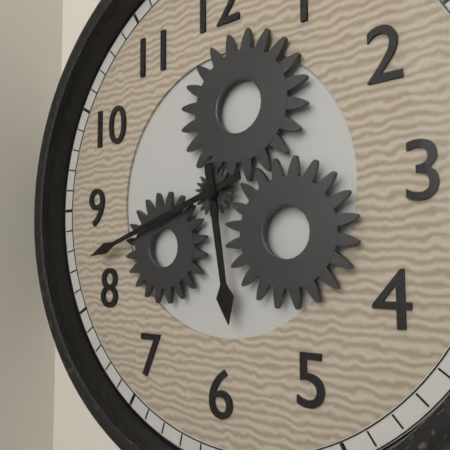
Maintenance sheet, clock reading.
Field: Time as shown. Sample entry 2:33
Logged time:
5:42
